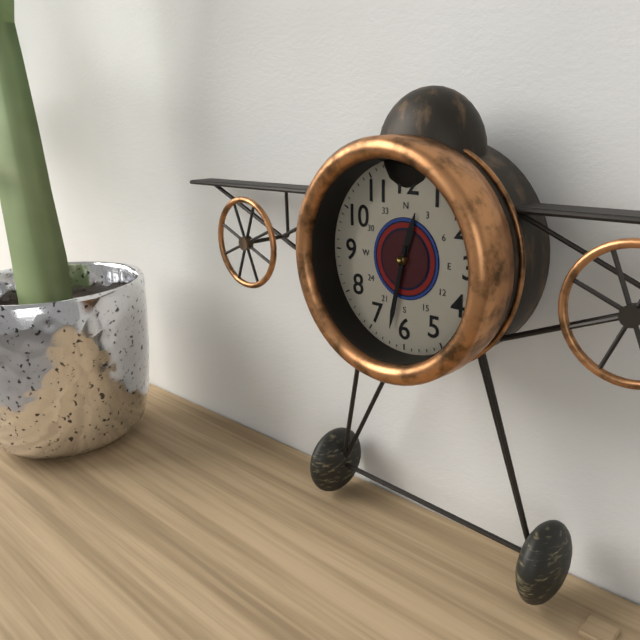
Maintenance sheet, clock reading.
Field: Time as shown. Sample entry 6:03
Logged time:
12:32
